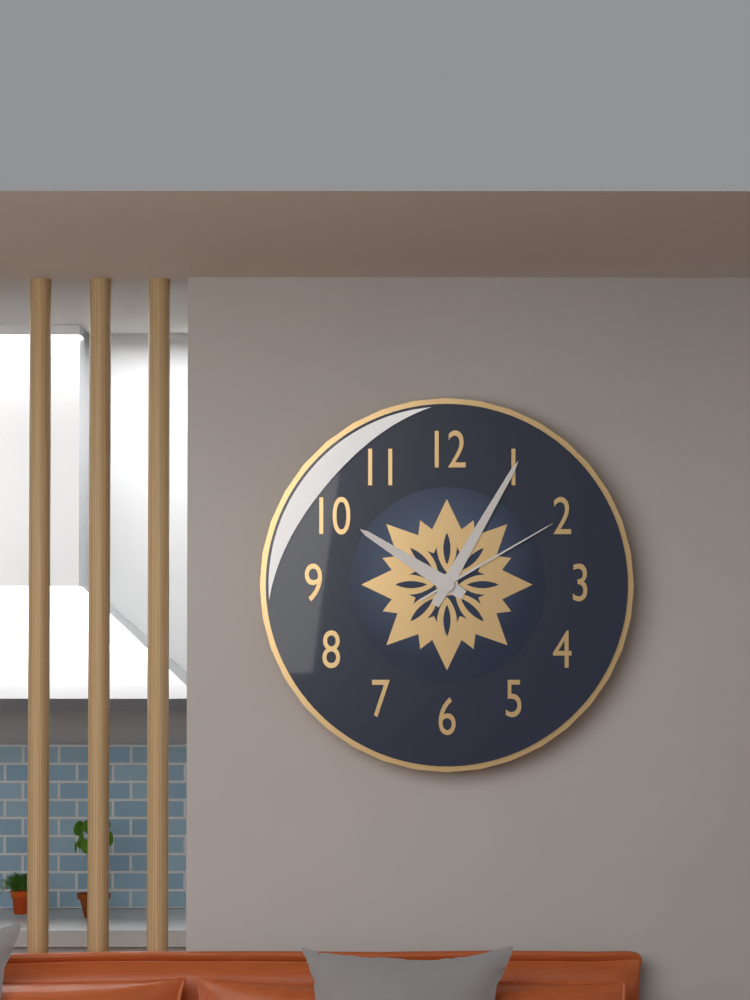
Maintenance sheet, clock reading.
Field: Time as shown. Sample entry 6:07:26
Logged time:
10:05:10
